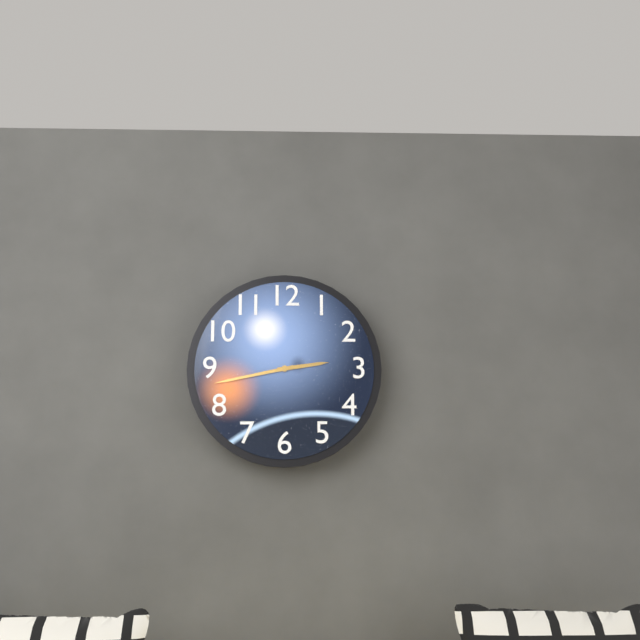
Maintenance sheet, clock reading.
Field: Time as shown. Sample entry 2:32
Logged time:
2:43
